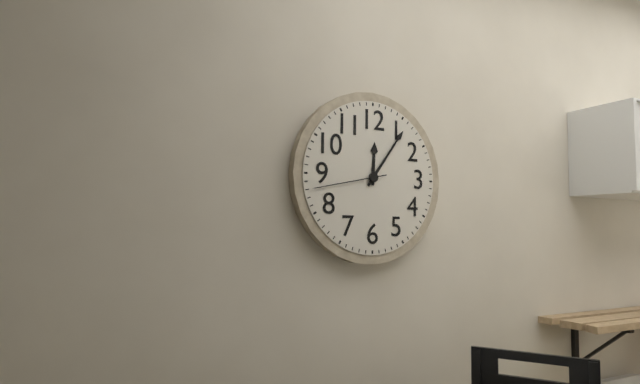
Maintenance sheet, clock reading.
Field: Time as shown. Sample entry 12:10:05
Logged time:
12:06:43
